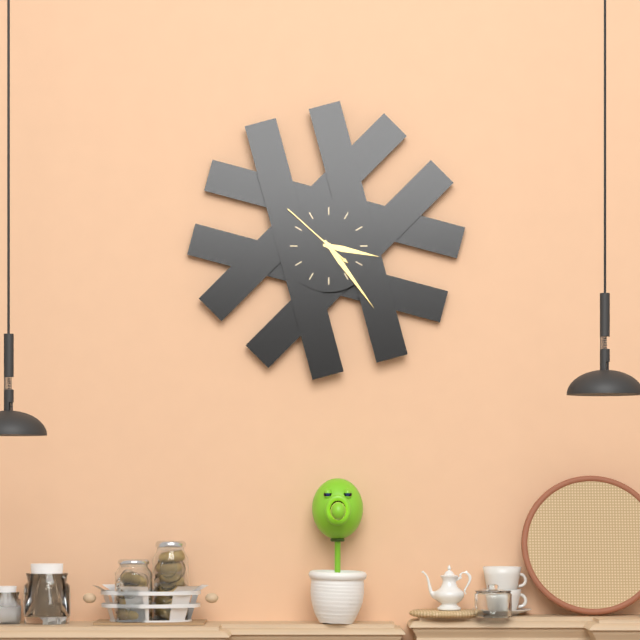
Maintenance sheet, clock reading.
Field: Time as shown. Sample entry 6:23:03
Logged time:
3:24:52
